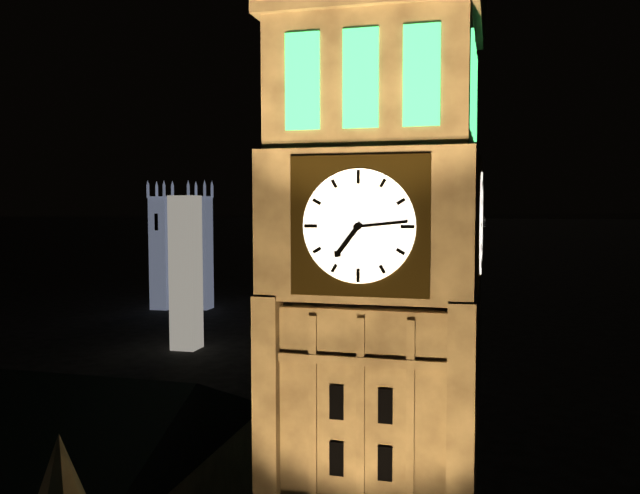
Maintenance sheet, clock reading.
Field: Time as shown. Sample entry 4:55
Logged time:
7:14
